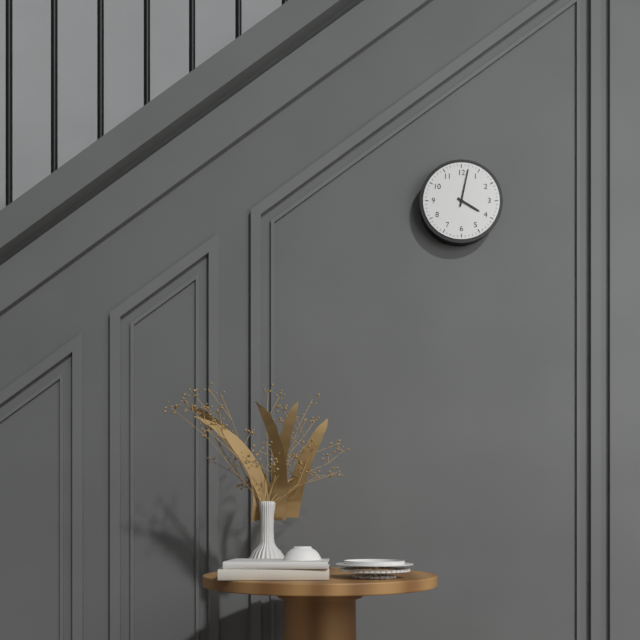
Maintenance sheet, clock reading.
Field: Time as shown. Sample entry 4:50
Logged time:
4:02
